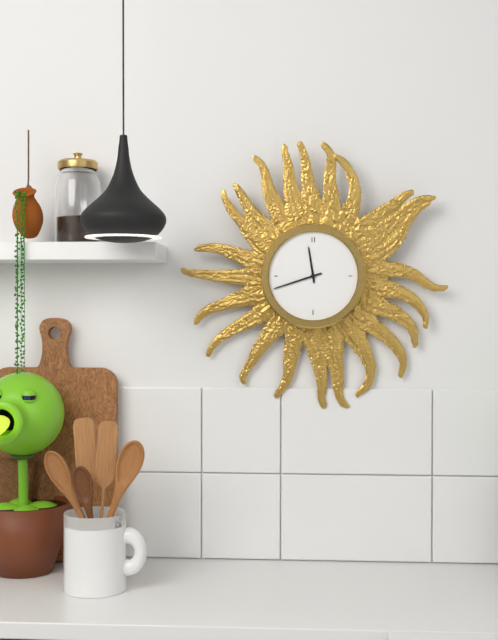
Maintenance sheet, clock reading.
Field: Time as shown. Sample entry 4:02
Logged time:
11:42
